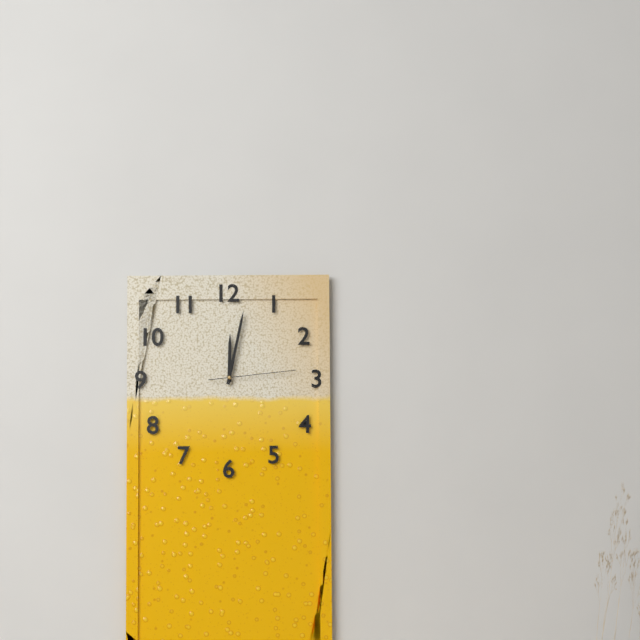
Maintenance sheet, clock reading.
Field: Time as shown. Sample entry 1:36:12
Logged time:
12:02:14
